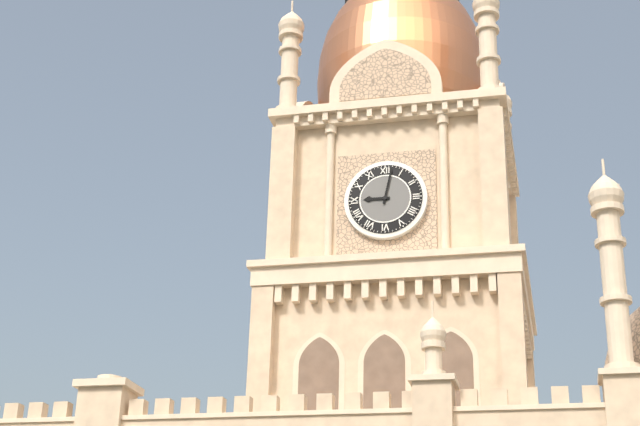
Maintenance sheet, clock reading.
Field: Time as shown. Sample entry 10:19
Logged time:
9:02
